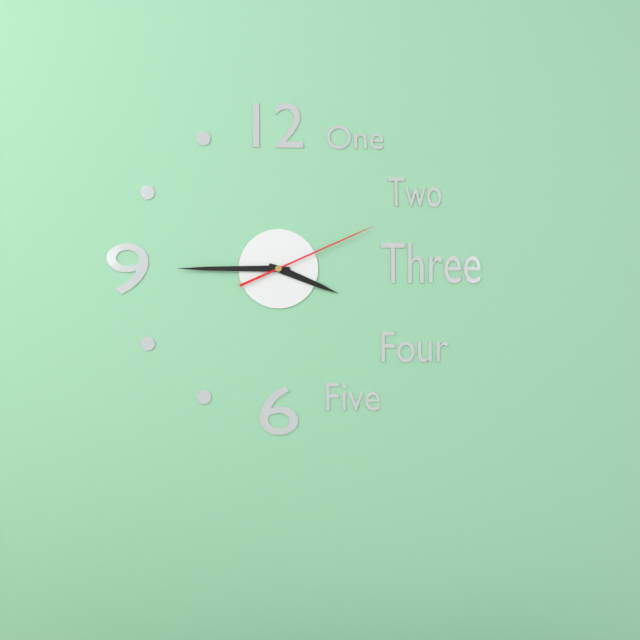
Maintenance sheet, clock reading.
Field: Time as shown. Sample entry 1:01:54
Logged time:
3:45:11
